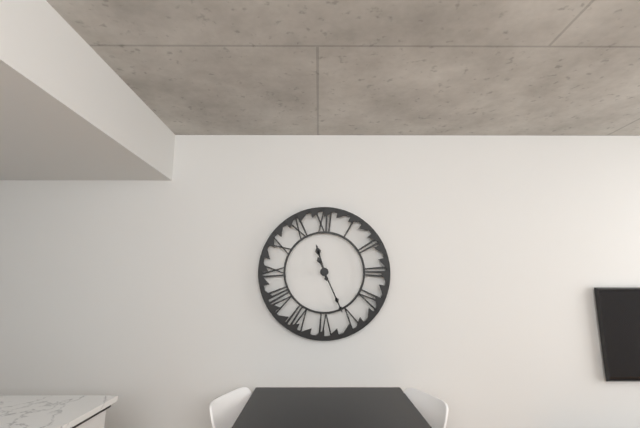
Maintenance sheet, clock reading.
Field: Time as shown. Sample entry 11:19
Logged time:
11:26
